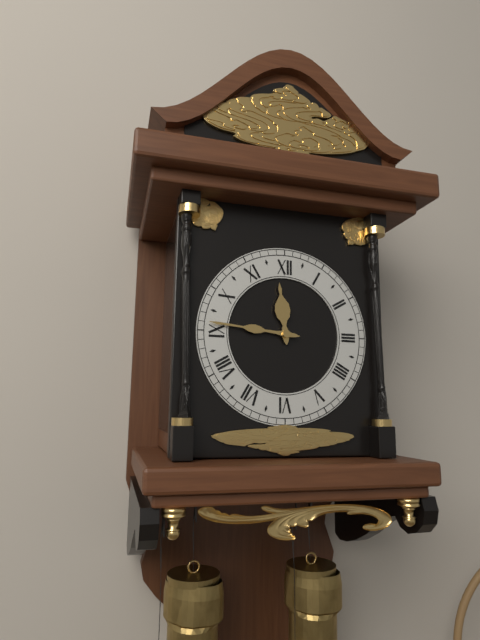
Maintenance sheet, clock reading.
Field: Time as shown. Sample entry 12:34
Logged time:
11:46
